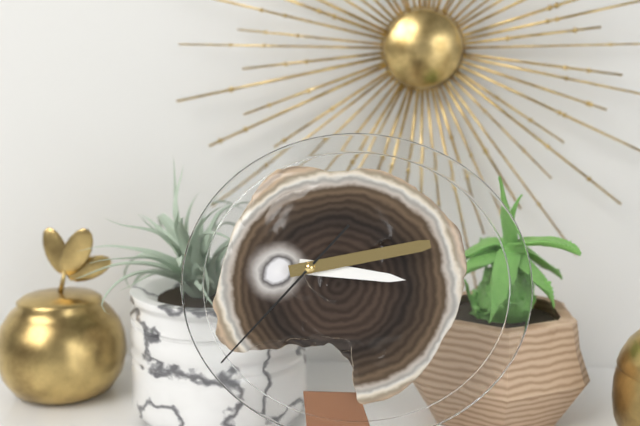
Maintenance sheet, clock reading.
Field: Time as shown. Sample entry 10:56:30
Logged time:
3:13:37
